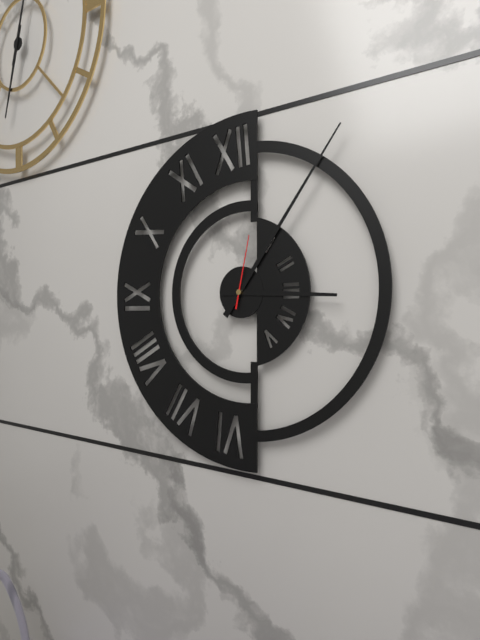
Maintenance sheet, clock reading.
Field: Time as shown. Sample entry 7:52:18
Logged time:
3:06:02
